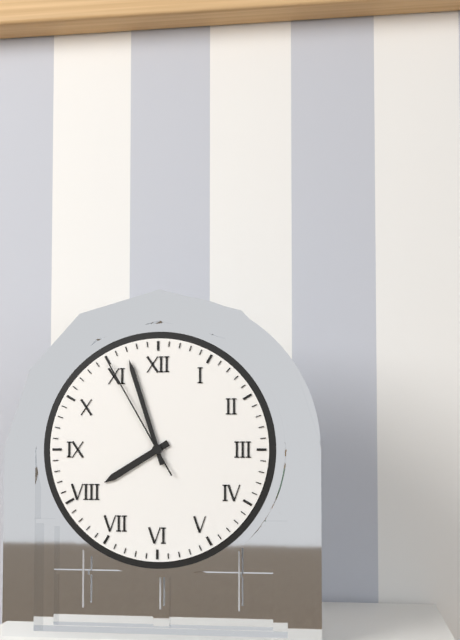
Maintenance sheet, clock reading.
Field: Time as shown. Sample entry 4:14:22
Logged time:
7:57:55
